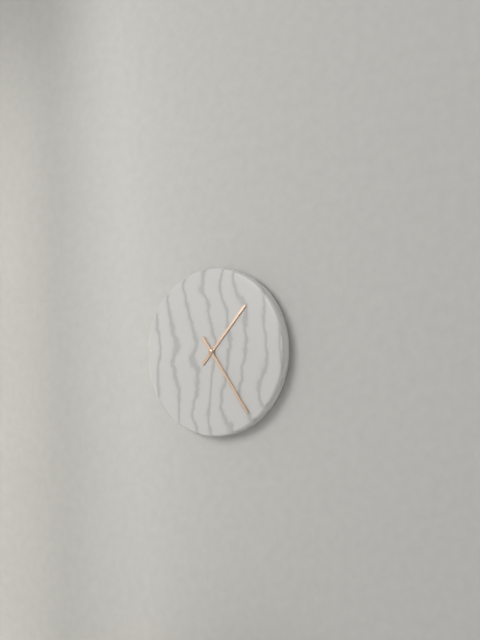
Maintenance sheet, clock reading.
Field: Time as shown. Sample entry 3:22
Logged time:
1:24
